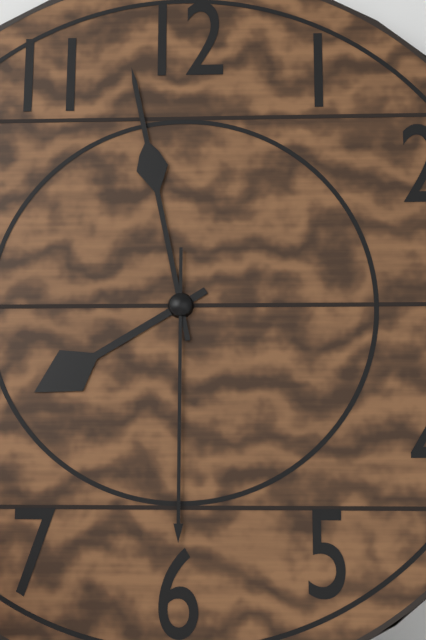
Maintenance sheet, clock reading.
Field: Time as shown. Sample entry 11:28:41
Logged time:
7:58:30
